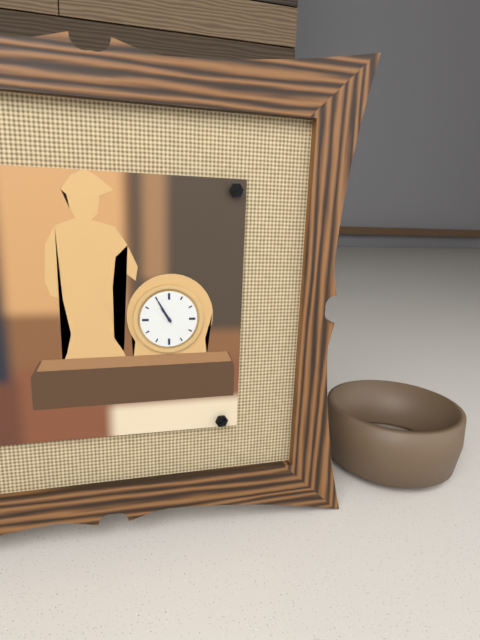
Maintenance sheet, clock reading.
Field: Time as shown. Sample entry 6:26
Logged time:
10:55
